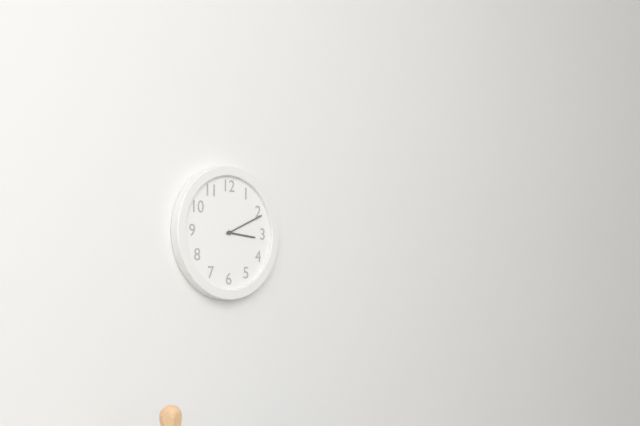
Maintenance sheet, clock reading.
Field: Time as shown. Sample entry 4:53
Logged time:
3:11
